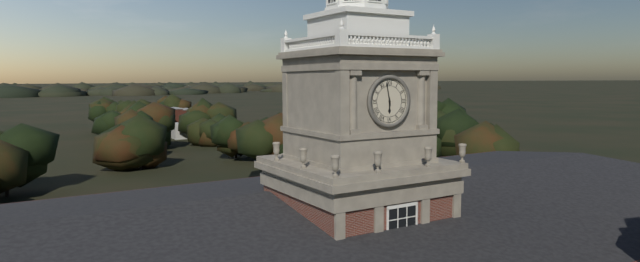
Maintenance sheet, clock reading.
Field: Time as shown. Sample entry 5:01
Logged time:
5:58
